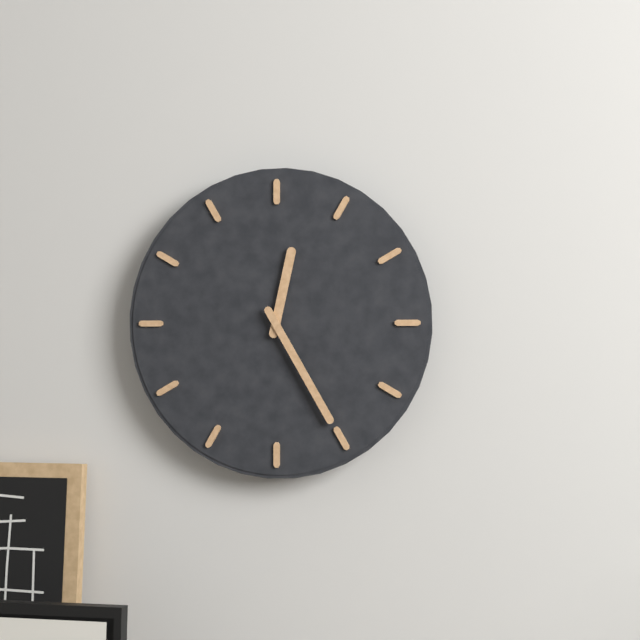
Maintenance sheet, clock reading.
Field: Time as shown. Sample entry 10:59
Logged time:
12:25
